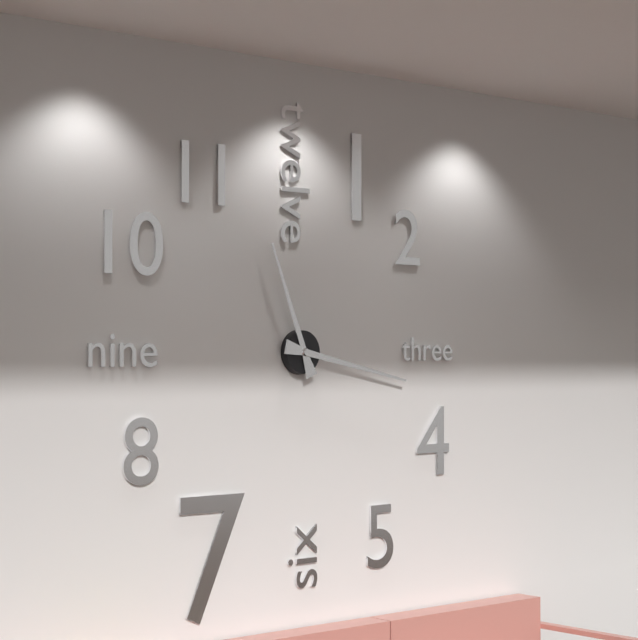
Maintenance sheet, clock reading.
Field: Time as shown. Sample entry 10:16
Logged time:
11:17
